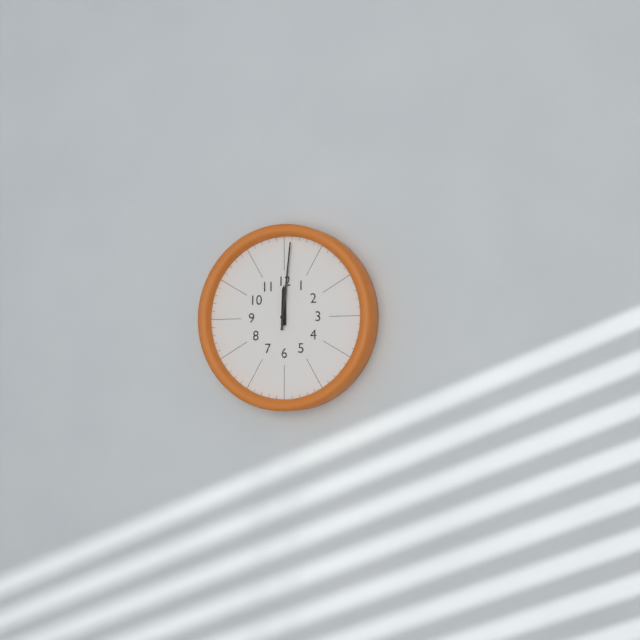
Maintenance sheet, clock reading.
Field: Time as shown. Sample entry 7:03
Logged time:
12:01
